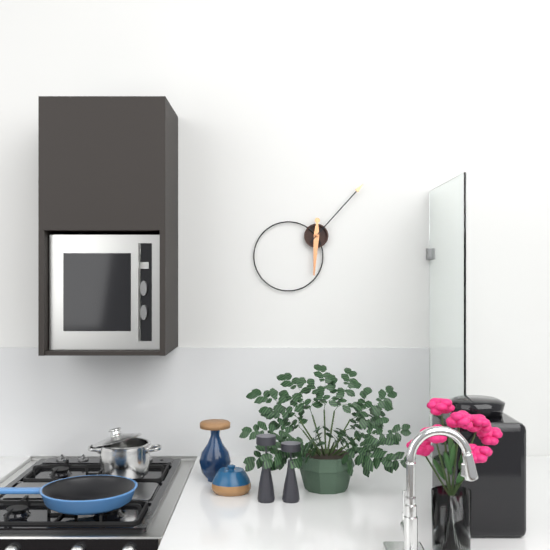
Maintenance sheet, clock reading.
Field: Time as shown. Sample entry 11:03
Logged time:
6:07
